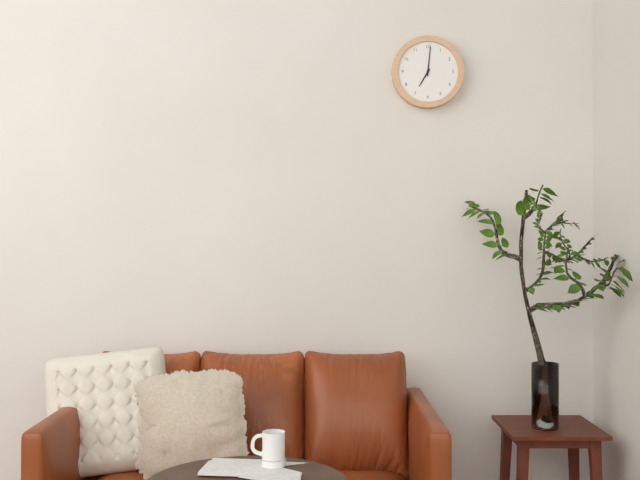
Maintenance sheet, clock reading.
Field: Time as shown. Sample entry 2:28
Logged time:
7:01
